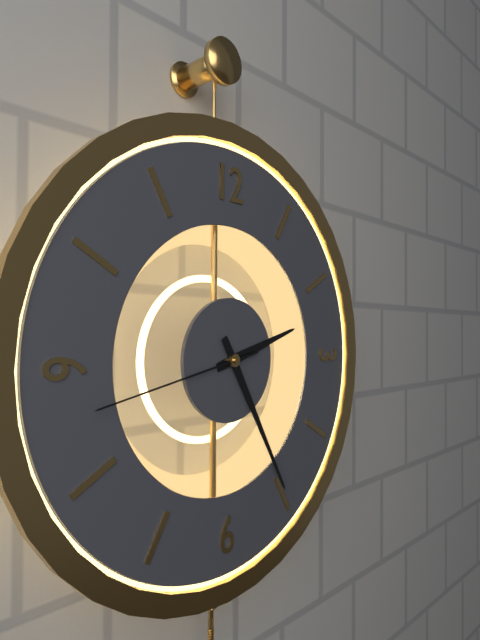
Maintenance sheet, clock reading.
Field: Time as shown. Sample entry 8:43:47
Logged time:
2:25:43
